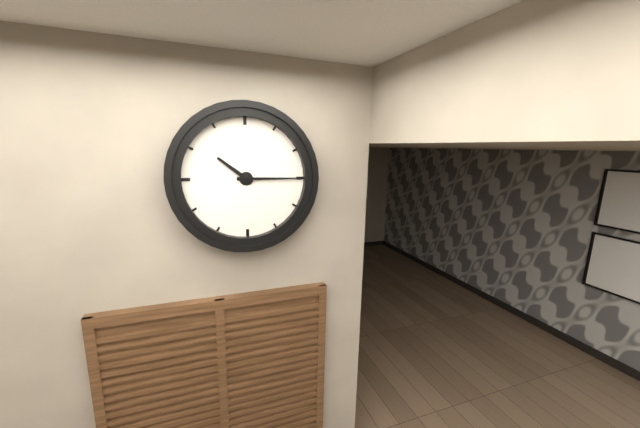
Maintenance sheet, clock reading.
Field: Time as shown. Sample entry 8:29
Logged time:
10:15
